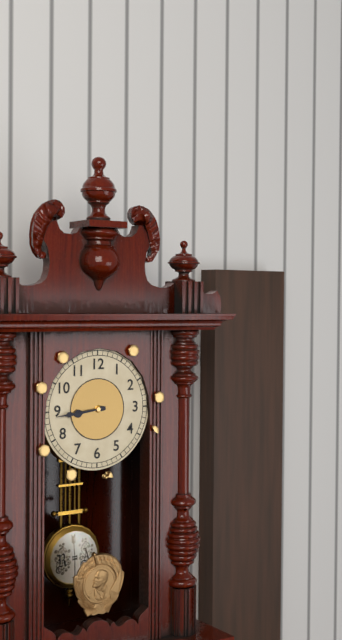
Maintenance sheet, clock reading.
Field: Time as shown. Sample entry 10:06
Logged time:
8:44
